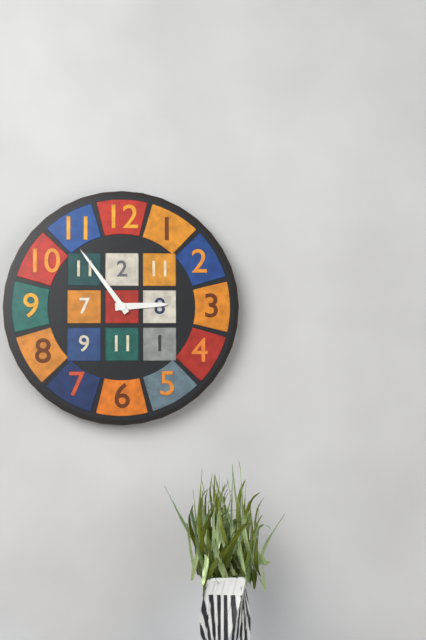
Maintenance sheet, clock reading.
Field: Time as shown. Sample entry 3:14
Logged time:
2:54
